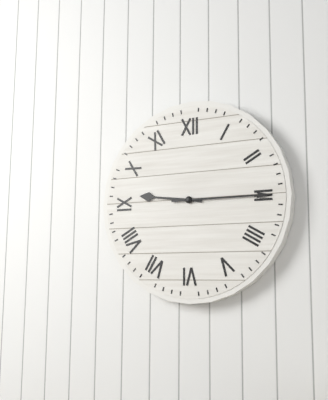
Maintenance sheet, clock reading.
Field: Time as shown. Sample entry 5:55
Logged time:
9:15
